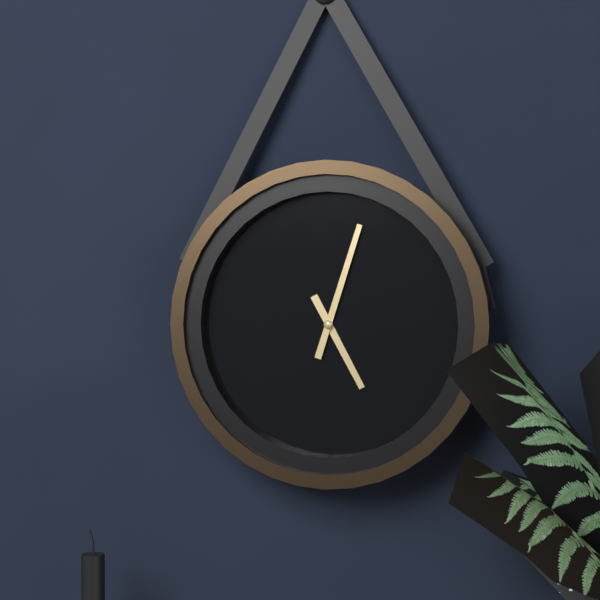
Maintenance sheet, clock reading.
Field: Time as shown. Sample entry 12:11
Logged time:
5:03
